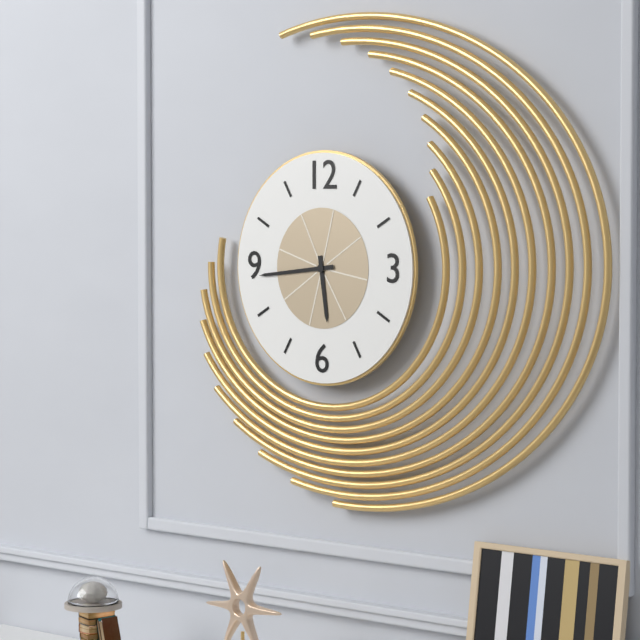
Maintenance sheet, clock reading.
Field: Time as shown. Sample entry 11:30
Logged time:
5:44
